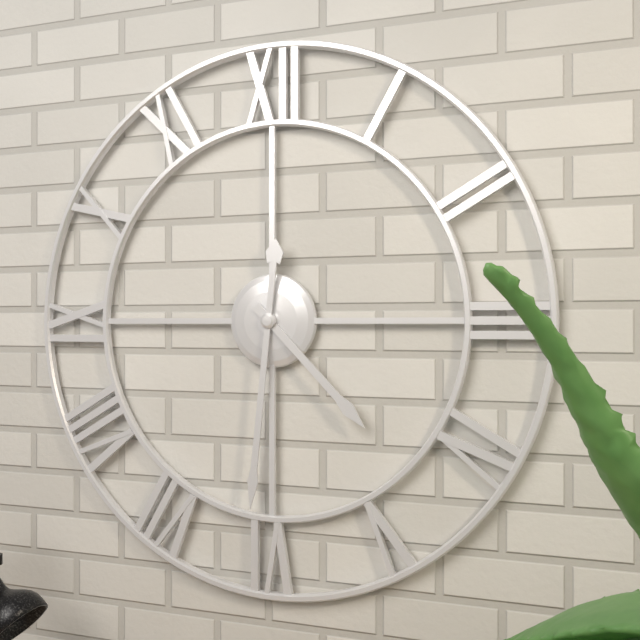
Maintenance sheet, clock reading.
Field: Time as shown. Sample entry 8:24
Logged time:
4:31
